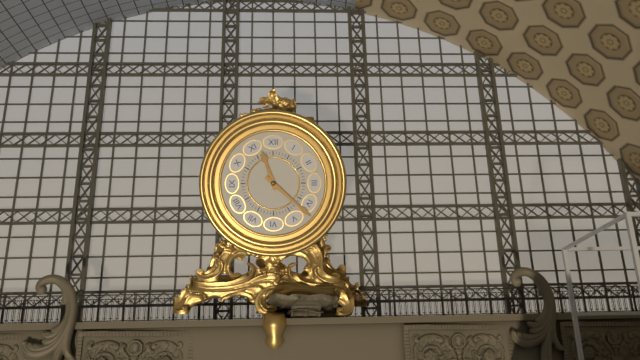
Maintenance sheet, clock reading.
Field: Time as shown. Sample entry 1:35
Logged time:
11:22
